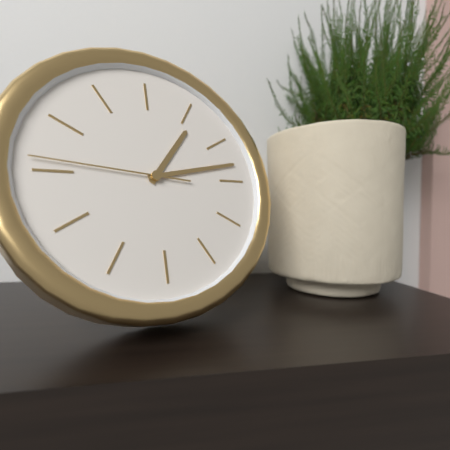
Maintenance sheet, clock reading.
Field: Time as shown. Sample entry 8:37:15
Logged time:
1:13:46
